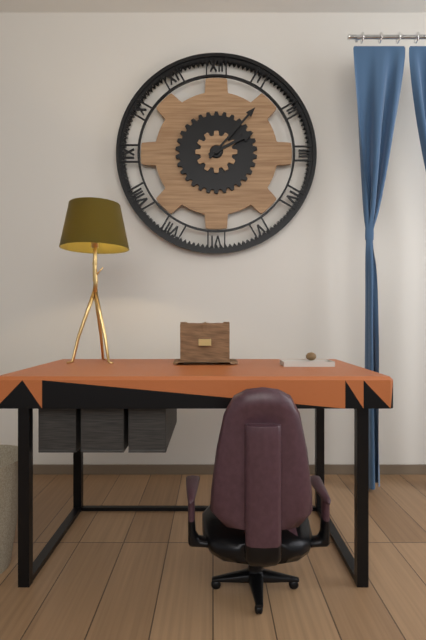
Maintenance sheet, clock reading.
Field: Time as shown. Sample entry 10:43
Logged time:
2:07
